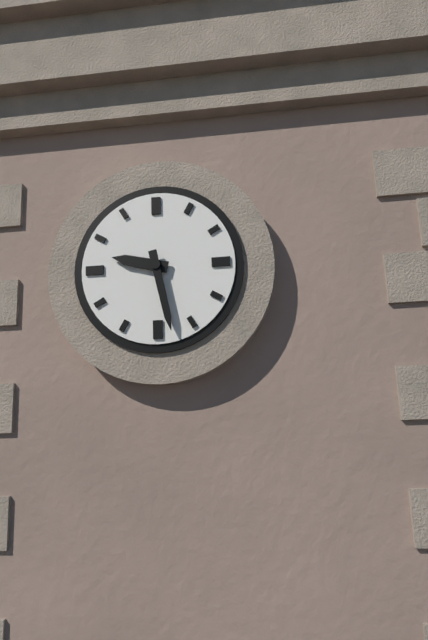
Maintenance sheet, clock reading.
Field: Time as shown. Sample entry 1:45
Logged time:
9:28
